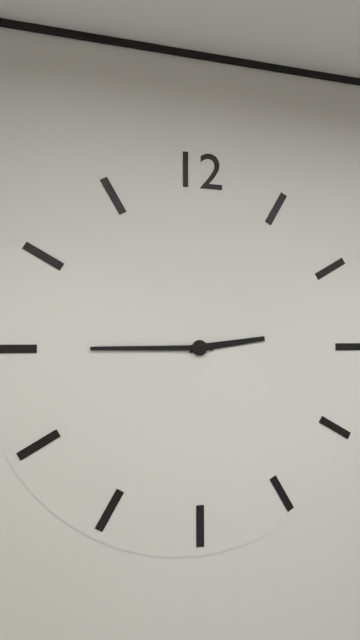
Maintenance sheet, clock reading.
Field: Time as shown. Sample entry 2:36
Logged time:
2:45
